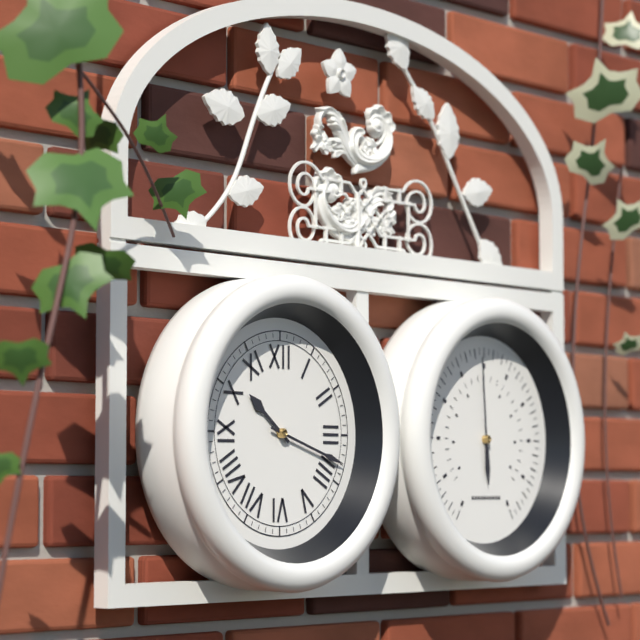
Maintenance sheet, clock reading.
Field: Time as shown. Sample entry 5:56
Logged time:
10:18
